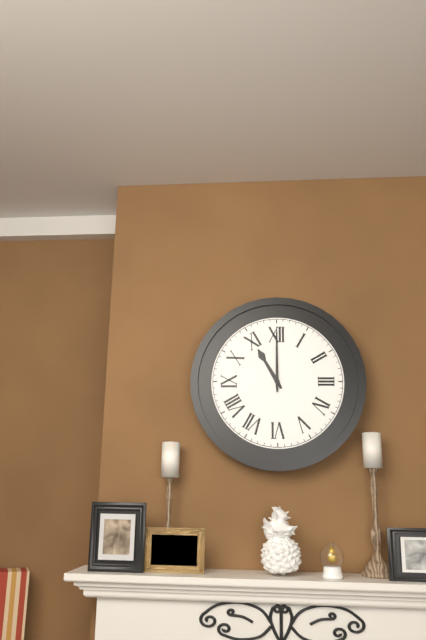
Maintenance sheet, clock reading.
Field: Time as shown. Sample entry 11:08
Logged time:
11:00
